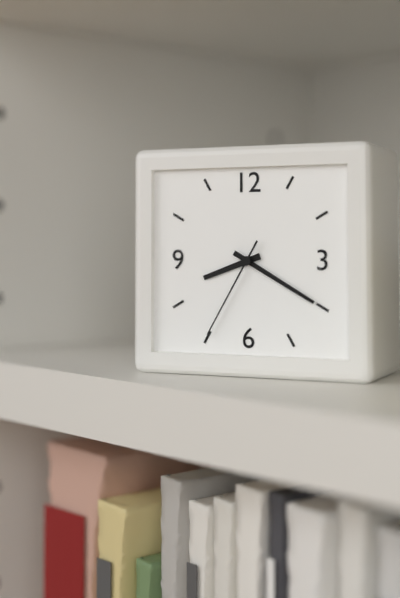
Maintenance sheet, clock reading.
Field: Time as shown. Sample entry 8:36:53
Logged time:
8:20:35
